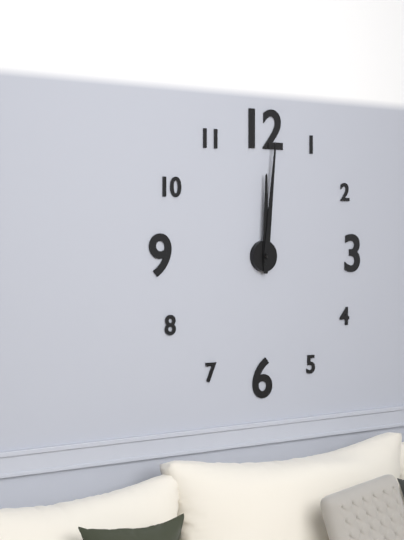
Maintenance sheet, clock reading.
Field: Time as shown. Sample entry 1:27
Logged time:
12:01
